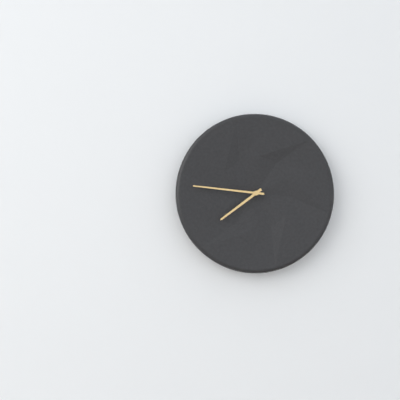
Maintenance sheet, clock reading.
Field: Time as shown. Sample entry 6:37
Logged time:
7:46
